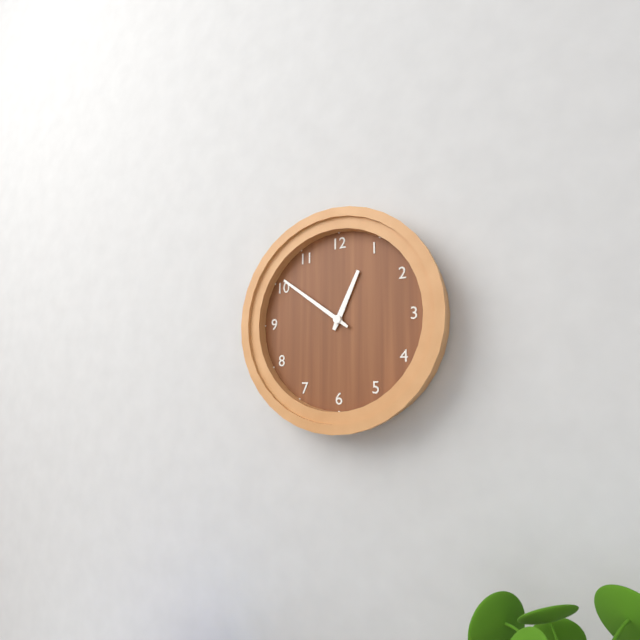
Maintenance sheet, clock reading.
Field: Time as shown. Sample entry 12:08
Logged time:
12:51
